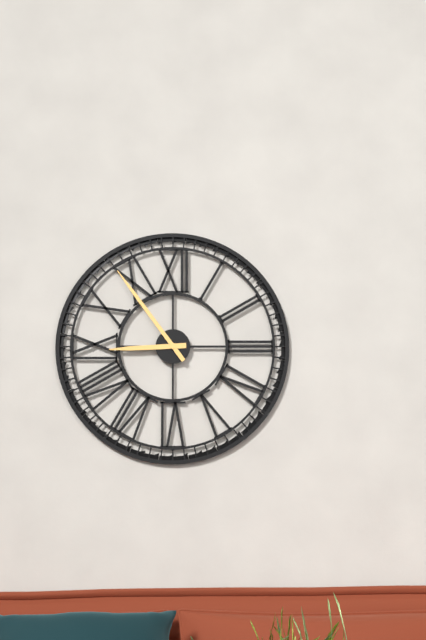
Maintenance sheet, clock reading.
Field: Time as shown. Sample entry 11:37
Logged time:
8:54
